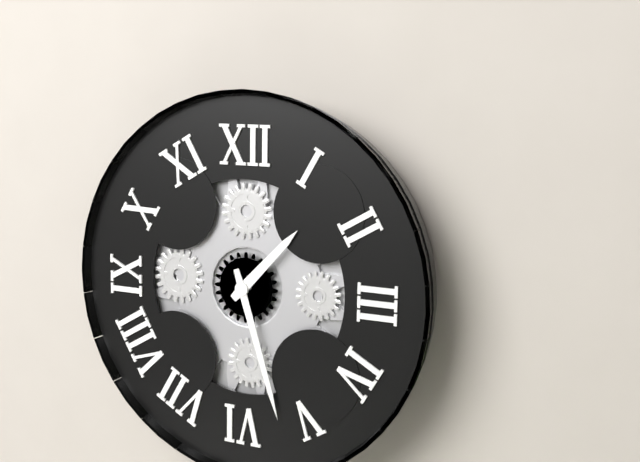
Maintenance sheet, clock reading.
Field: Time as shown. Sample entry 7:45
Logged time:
1:27
